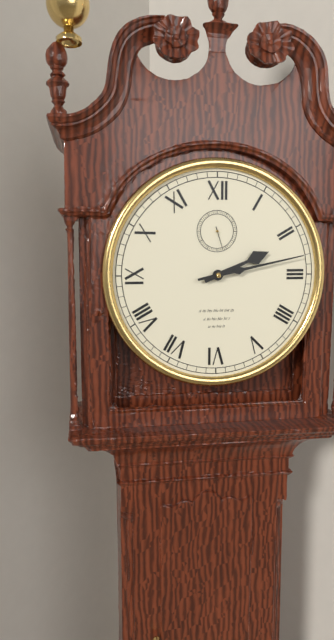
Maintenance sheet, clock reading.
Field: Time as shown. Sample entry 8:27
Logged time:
2:13
